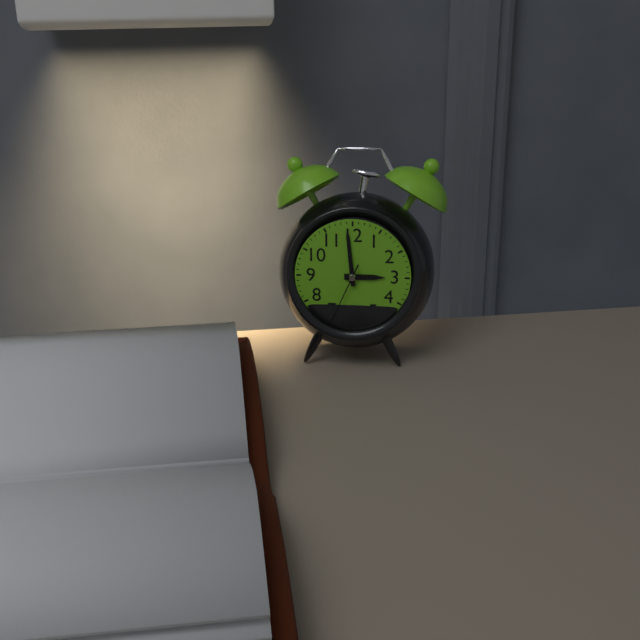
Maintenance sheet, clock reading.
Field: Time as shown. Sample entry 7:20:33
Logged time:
2:59:34
